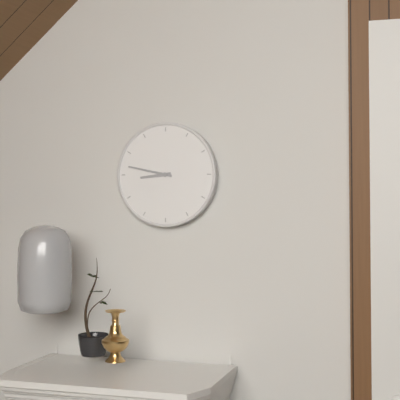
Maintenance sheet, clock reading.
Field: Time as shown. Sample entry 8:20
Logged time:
8:47
